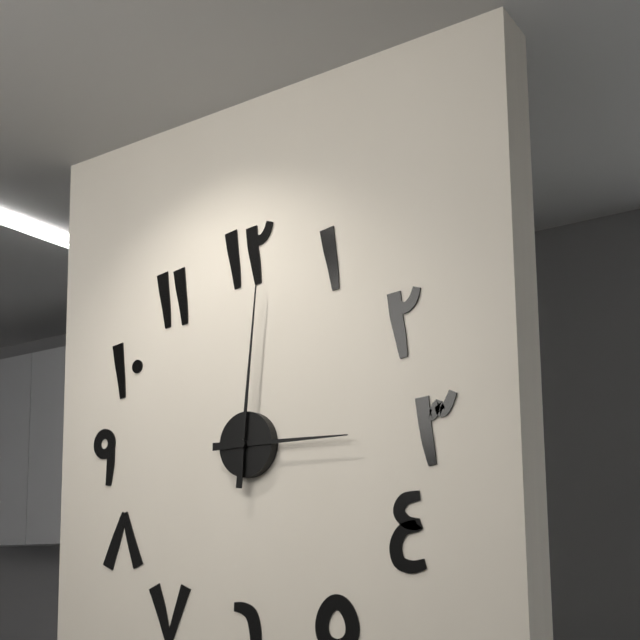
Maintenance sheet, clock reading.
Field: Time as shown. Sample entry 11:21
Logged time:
3:01
